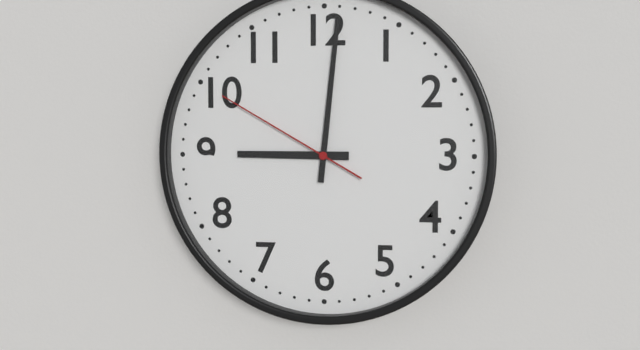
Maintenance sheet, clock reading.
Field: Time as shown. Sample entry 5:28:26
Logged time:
9:01:50
